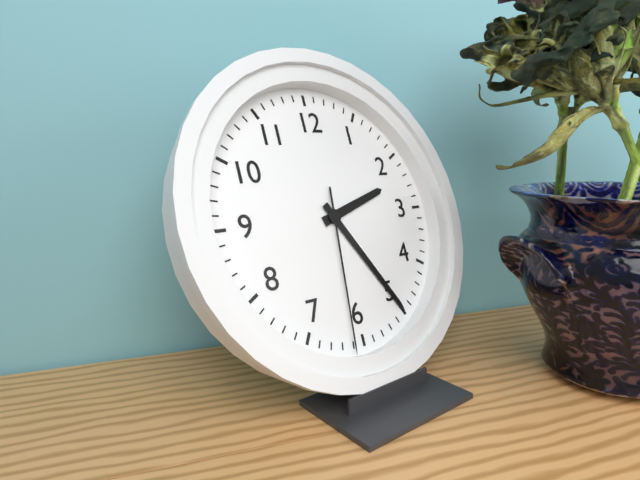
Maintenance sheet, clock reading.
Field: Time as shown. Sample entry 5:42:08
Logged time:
2:25:31
